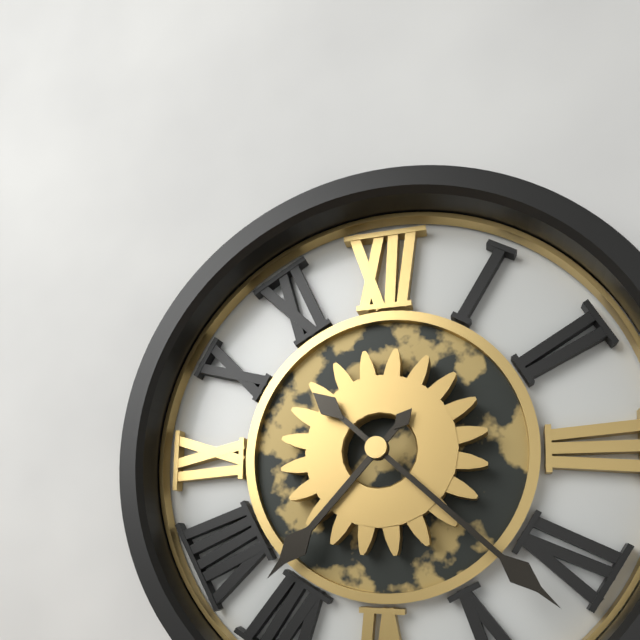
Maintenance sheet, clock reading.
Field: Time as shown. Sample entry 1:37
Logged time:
7:22
